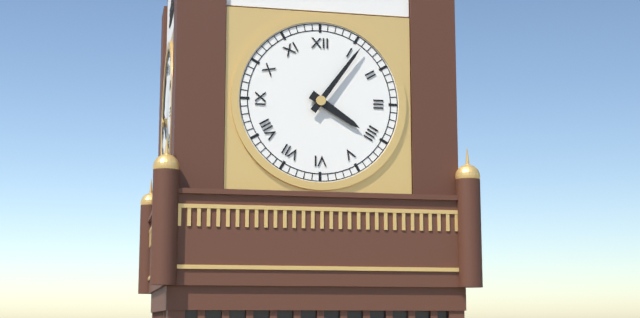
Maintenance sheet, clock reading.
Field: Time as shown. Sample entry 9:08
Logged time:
4:06
